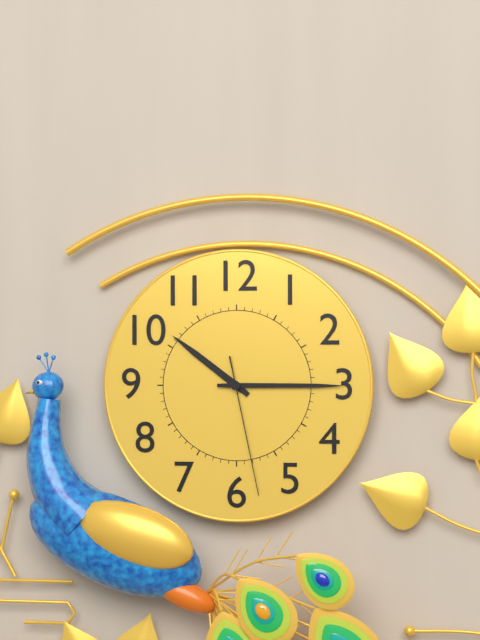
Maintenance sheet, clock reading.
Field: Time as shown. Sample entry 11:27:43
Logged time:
10:15:28
